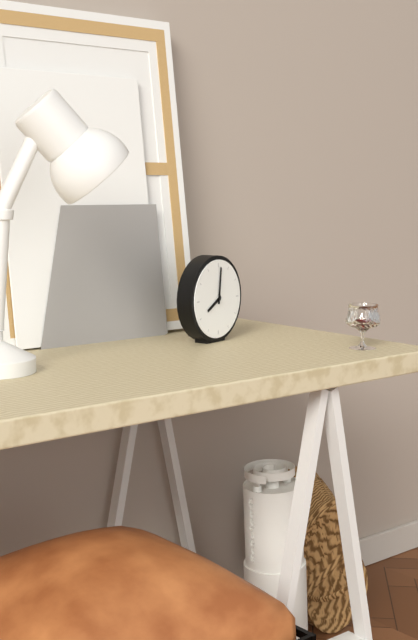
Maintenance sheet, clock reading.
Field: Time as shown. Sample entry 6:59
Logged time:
8:01
